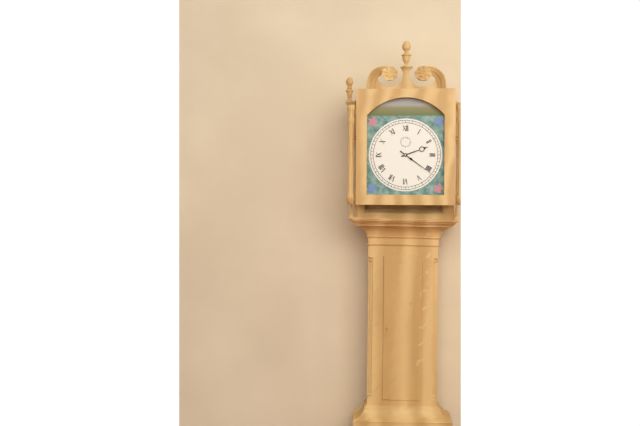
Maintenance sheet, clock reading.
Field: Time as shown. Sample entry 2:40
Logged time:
2:21
